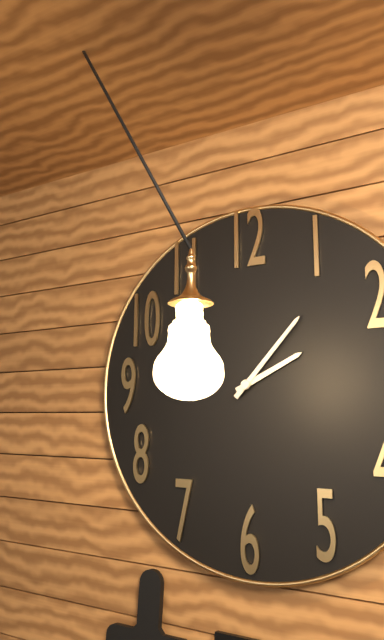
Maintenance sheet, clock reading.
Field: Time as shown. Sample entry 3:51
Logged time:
2:07
